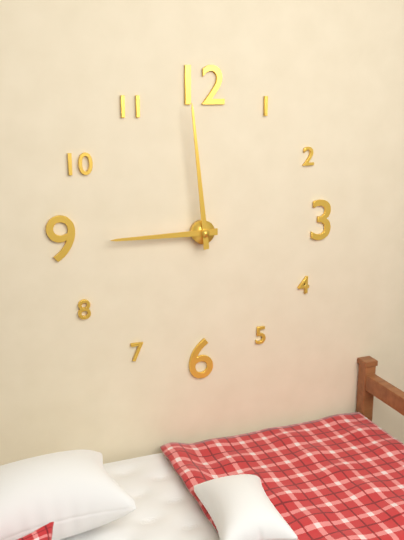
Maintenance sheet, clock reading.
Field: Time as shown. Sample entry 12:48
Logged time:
8:59
